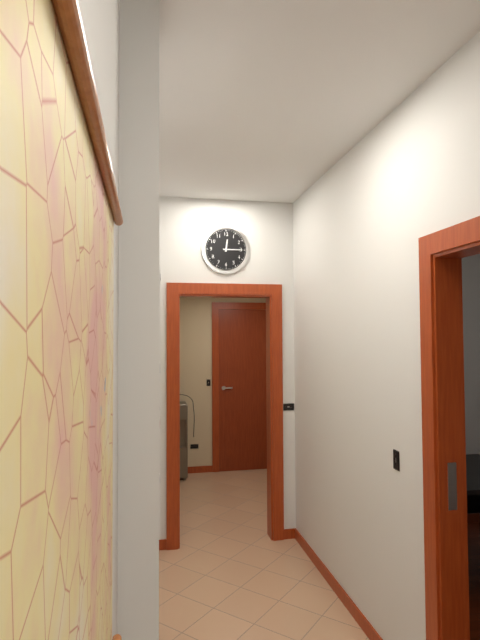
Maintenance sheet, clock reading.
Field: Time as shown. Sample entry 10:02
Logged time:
12:15
